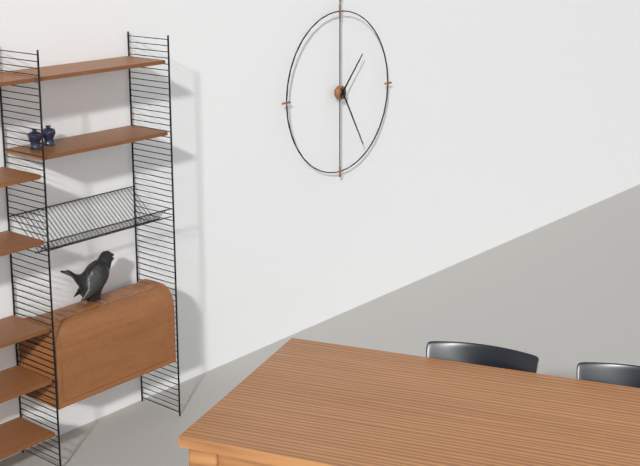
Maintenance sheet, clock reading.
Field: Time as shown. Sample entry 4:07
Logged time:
1:25
